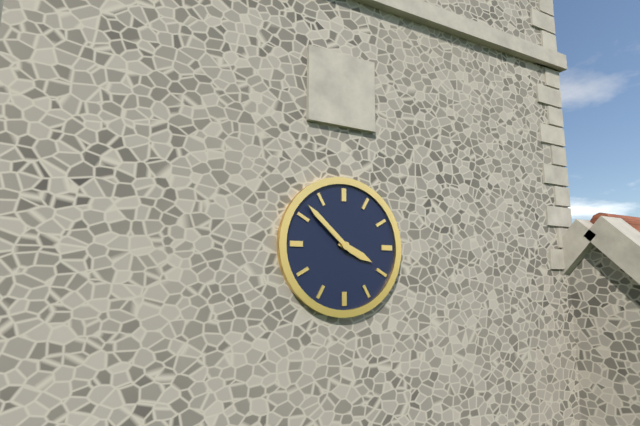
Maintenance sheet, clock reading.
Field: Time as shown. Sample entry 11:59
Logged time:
3:52
